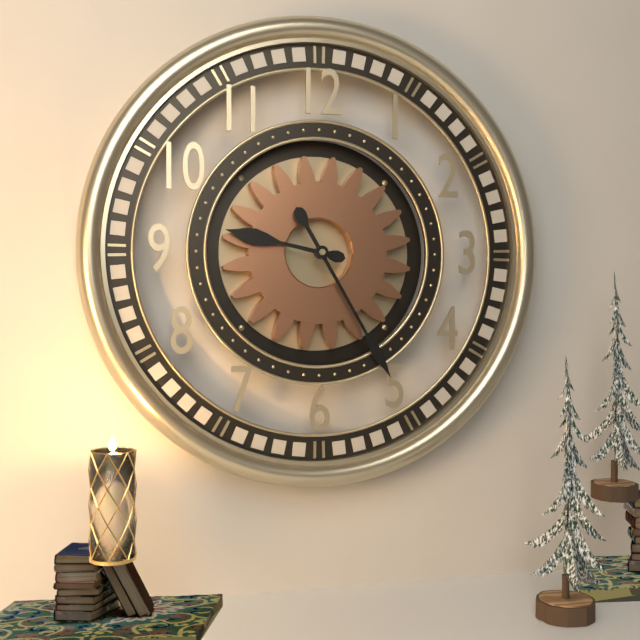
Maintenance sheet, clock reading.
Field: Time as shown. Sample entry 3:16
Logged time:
9:25
